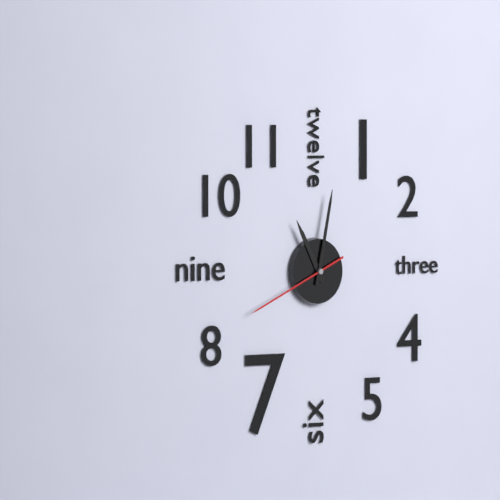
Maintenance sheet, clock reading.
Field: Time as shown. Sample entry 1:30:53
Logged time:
11:02:41
